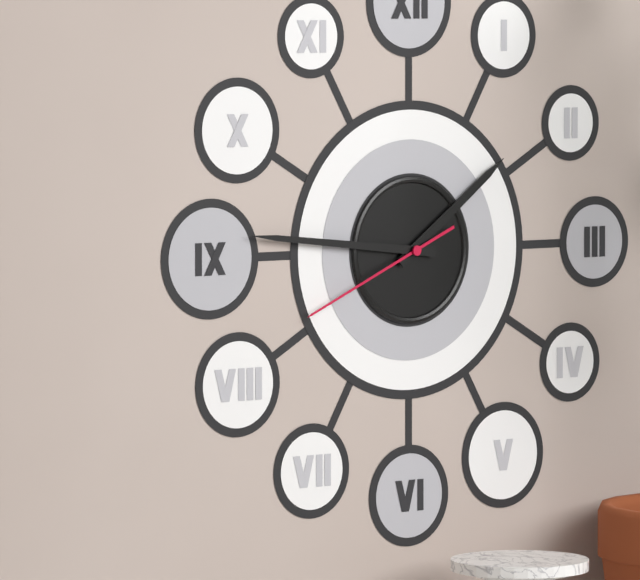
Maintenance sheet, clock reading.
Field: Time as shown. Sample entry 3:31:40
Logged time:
1:46:41
